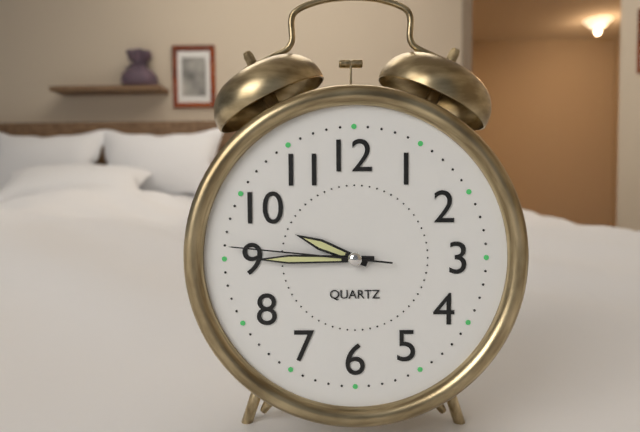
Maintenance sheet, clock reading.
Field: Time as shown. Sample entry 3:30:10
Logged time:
9:45:46
